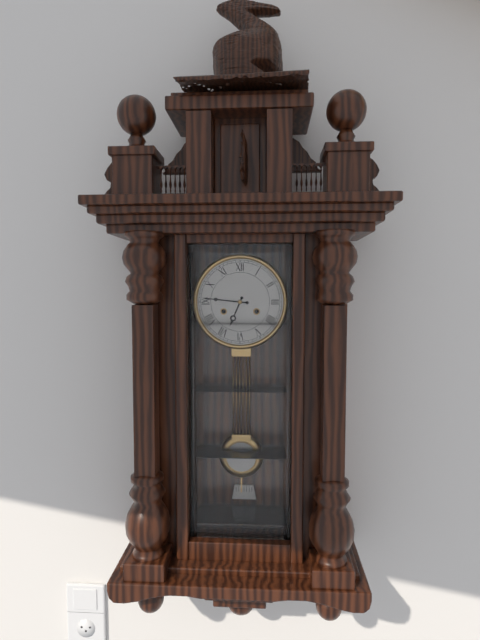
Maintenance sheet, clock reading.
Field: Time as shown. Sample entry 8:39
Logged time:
6:46
